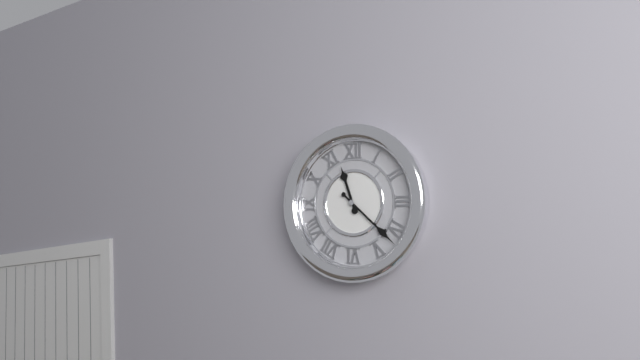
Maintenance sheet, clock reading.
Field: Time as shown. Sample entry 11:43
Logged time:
11:22
